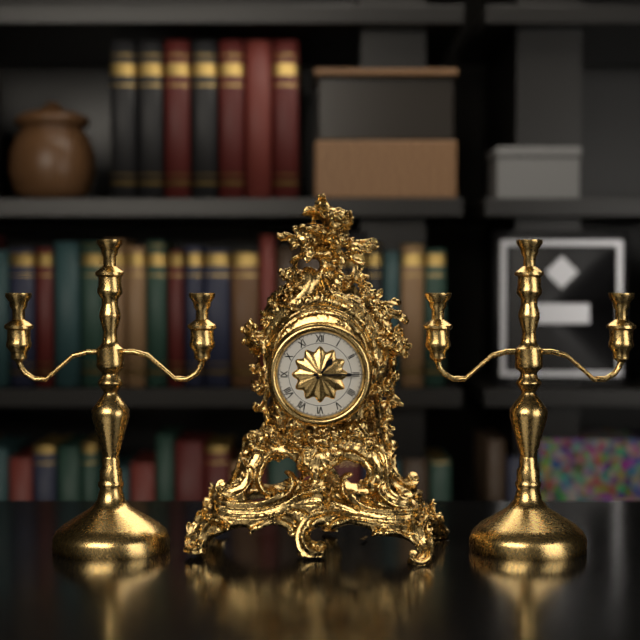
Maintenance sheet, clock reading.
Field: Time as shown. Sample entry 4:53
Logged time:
1:15
